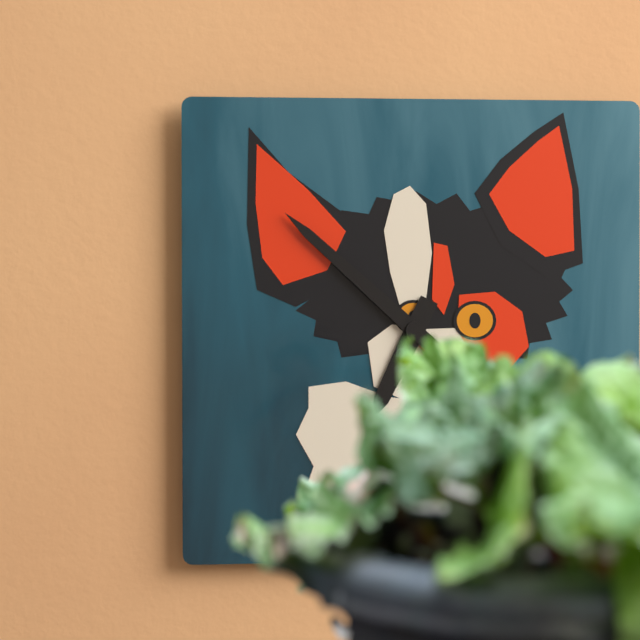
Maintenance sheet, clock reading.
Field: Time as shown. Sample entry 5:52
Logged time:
6:52
